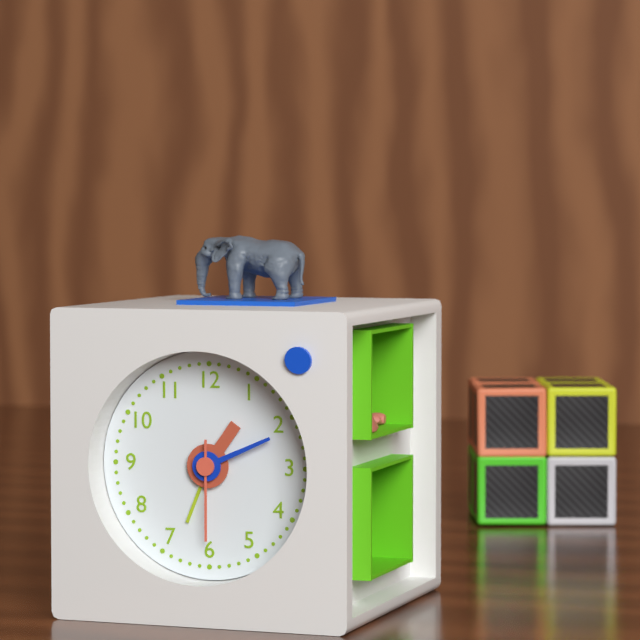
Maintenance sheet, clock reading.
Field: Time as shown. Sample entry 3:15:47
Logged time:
1:11:30
